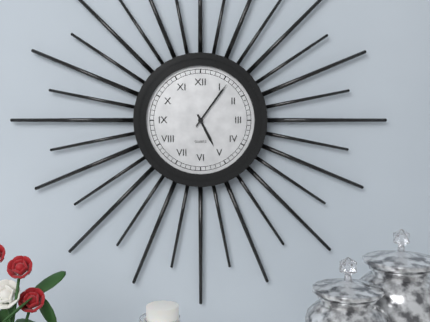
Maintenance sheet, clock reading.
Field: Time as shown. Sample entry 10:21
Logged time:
5:06
